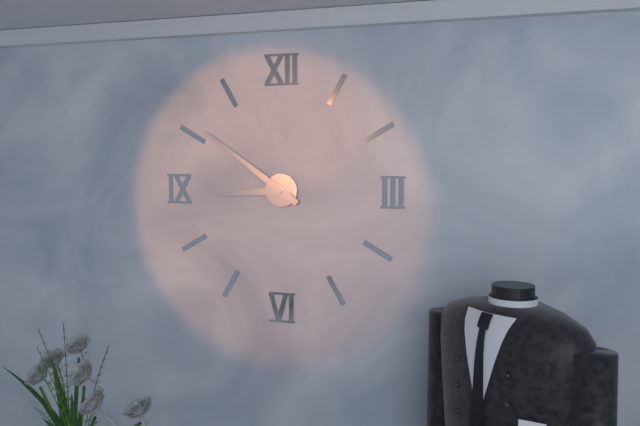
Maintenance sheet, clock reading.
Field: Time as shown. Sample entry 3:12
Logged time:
8:51
